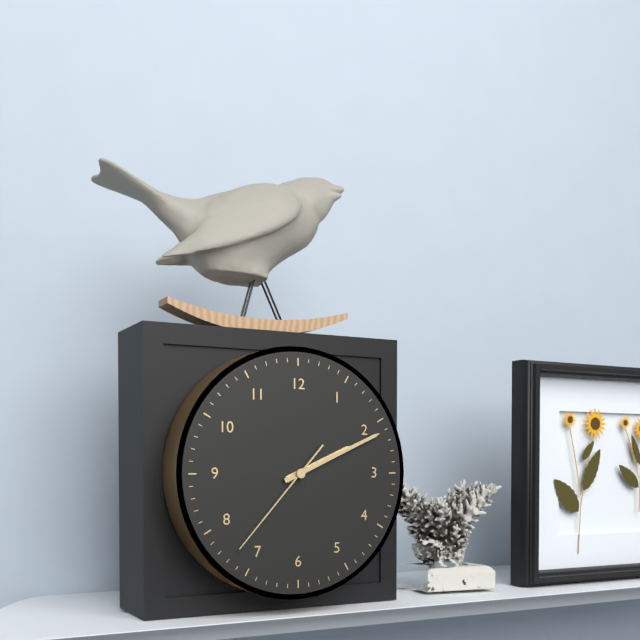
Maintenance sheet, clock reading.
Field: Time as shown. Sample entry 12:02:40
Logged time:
2:11:37
